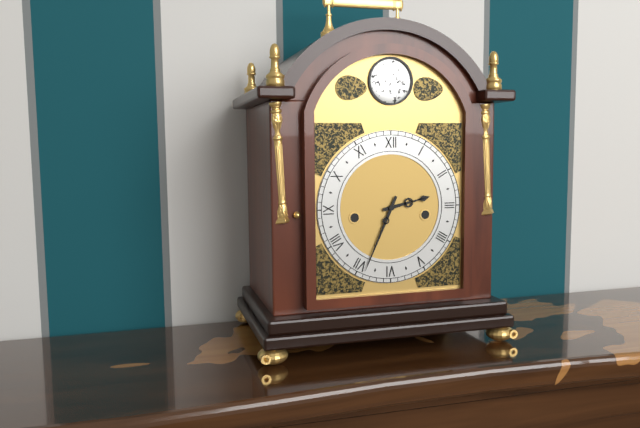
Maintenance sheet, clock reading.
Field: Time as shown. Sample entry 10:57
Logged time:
2:34
